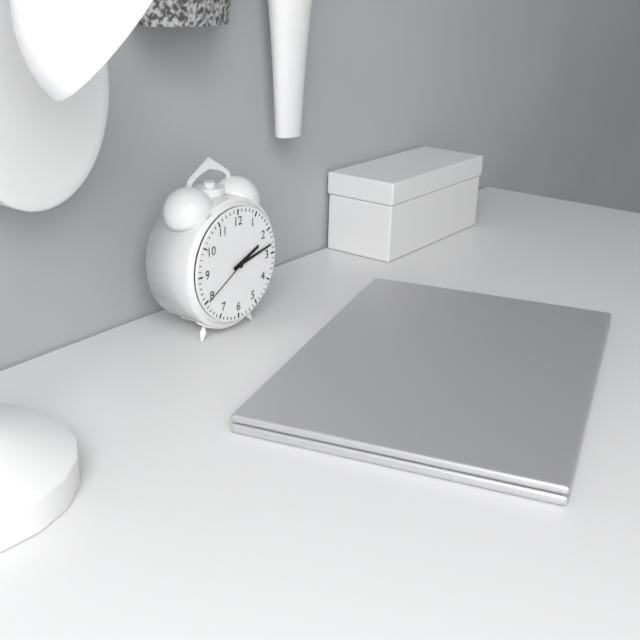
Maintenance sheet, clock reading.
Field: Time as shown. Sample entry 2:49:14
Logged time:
2:13:40
